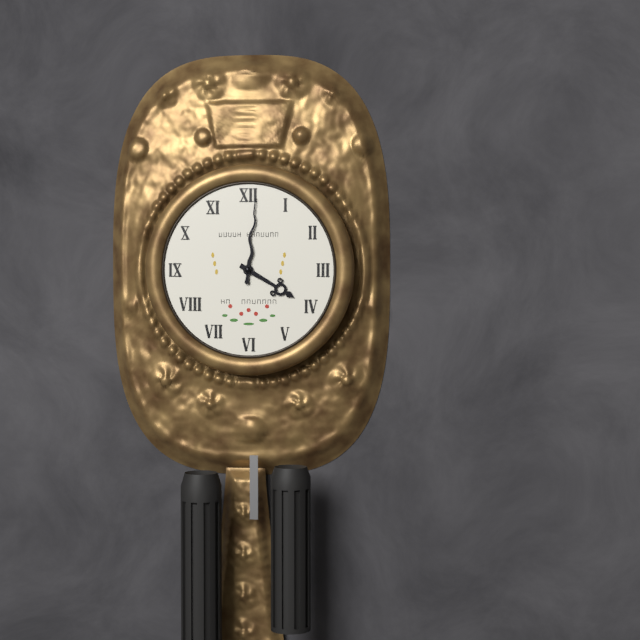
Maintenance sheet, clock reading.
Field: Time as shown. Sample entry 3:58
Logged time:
4:01
